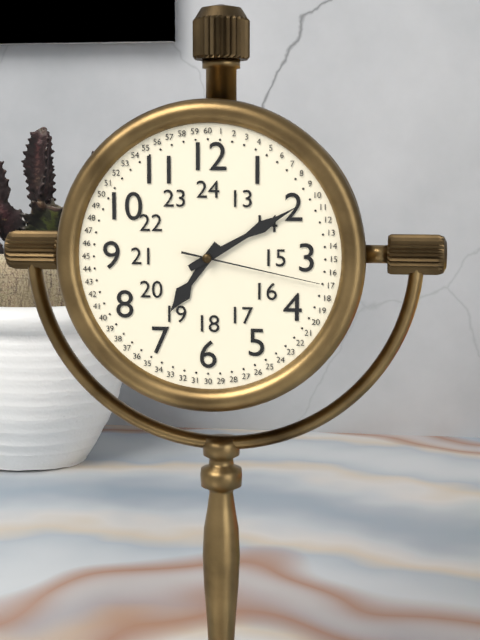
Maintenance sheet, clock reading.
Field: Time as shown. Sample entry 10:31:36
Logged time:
7:10:17
